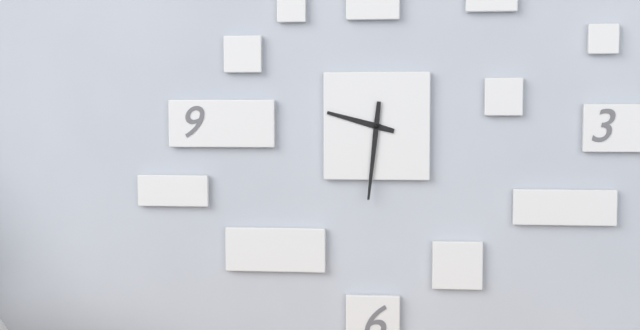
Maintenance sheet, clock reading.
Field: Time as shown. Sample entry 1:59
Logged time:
9:31
